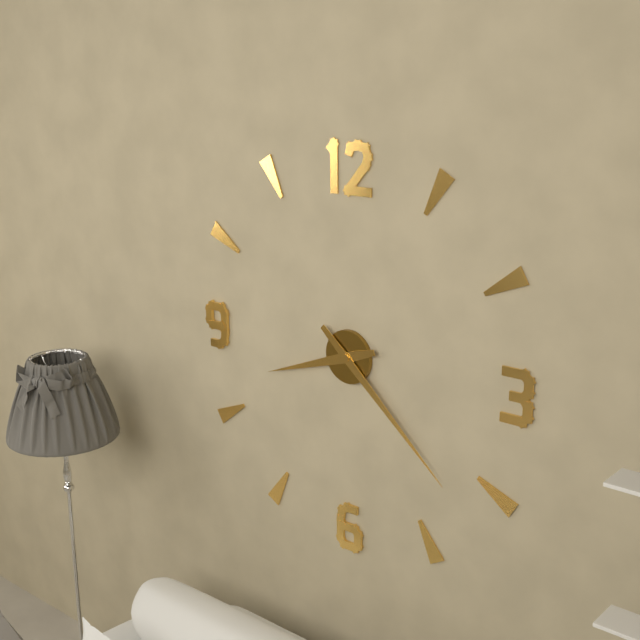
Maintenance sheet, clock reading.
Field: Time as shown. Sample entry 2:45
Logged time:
8:22
